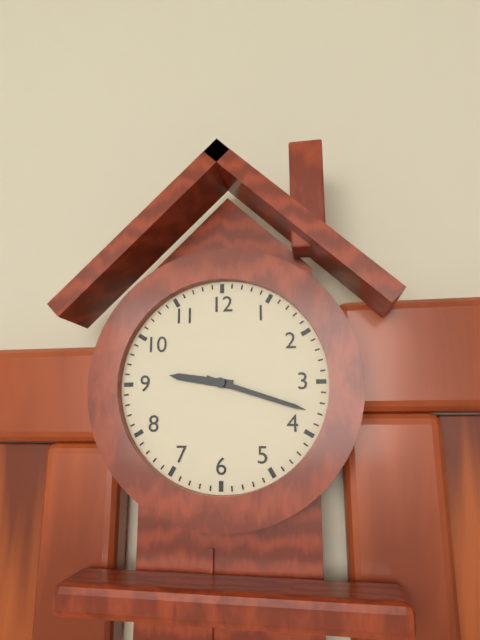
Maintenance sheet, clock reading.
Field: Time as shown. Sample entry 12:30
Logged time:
9:18
